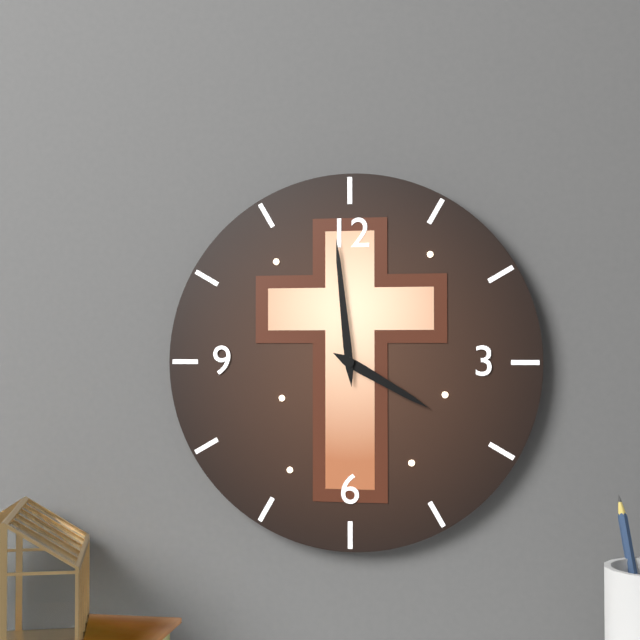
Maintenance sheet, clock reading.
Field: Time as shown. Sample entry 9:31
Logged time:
3:59
